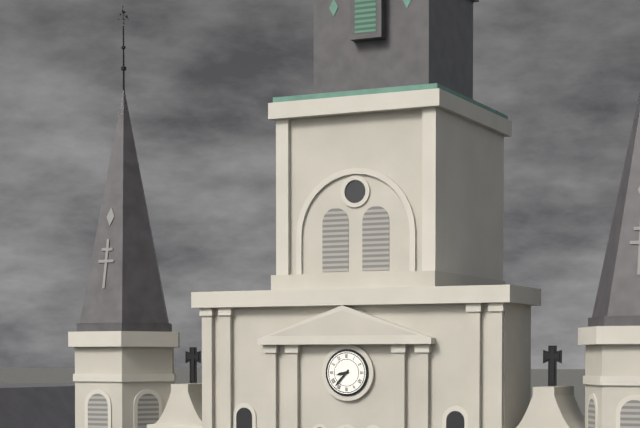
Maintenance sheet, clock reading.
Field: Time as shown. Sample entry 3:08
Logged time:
8:37
